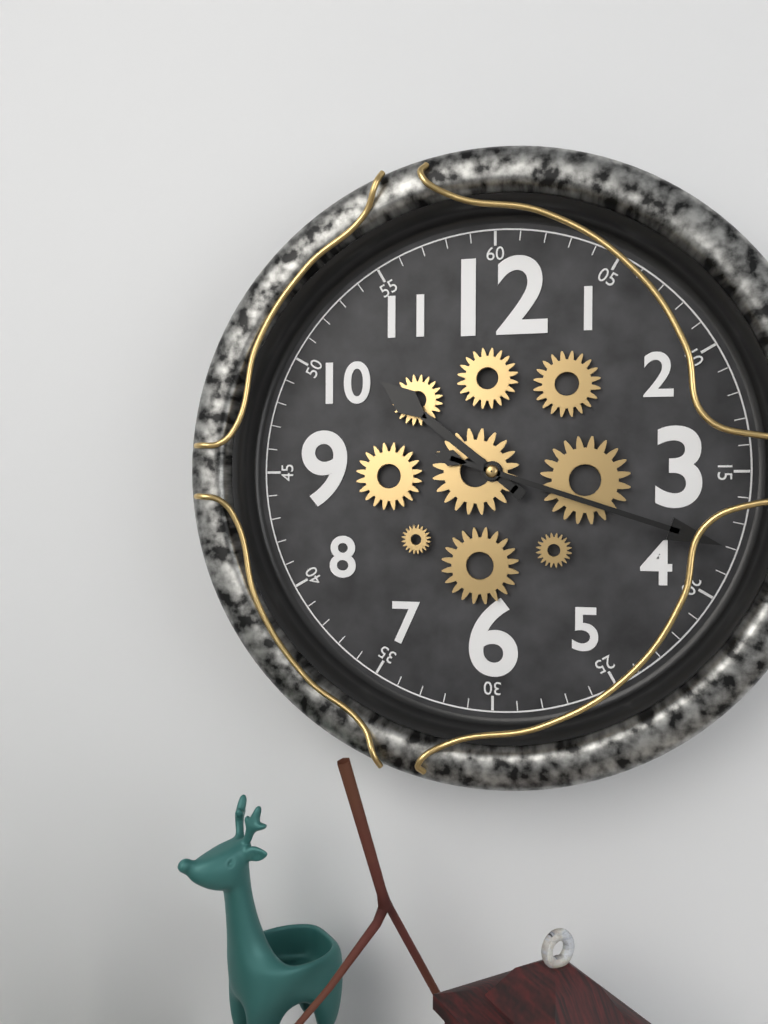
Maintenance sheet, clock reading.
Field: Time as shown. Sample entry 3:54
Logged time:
10:18
